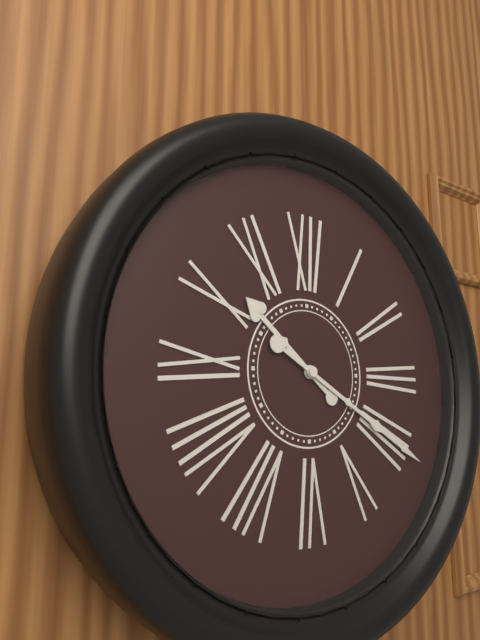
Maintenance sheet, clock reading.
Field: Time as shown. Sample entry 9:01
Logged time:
10:20
